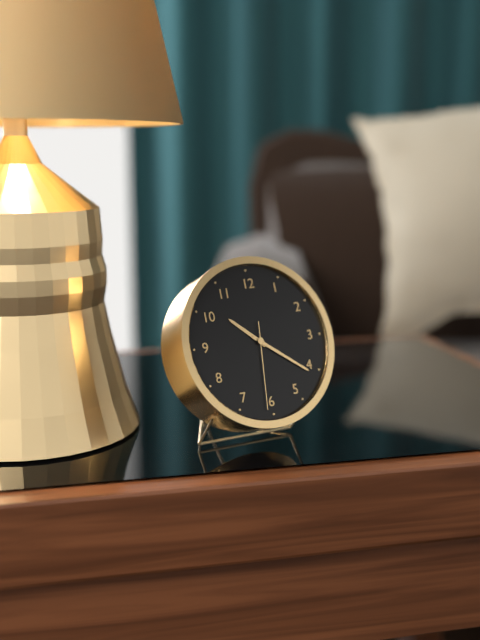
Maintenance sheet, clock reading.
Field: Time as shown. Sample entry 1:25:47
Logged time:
10:21:31
